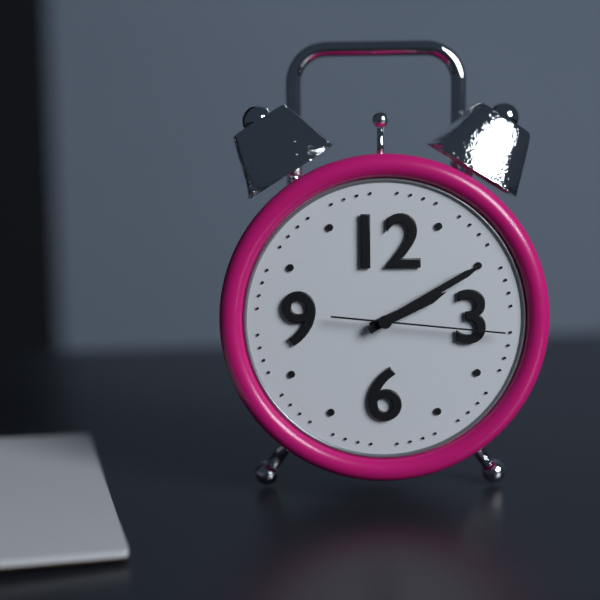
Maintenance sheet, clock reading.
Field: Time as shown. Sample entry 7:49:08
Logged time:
2:10:16
